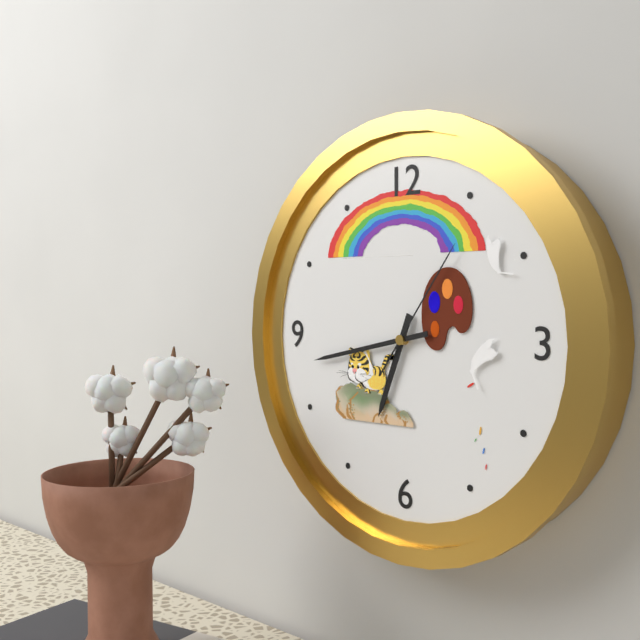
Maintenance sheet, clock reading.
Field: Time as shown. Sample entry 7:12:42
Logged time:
6:43:06
